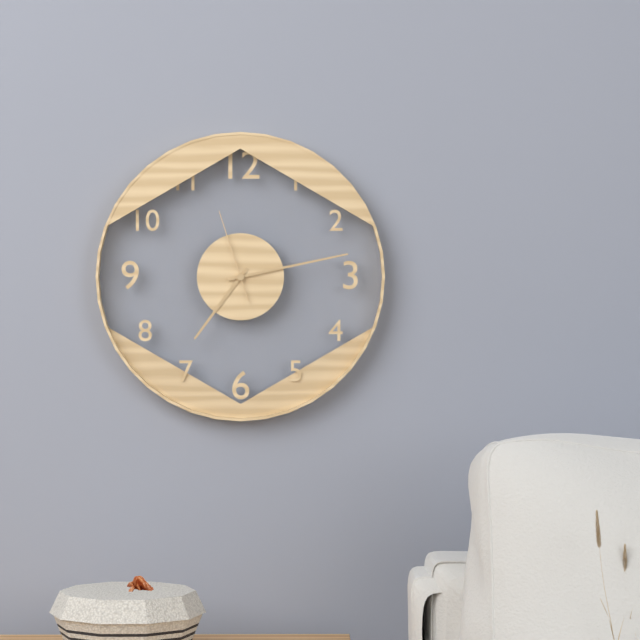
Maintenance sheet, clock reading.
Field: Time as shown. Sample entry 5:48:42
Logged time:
7:13:57
